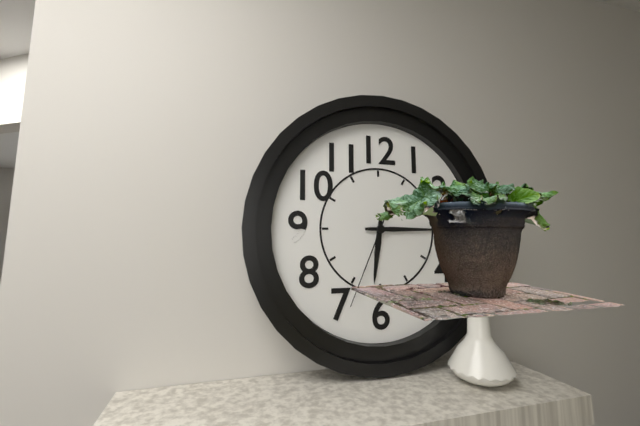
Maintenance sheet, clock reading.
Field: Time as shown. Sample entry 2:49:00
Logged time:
6:15:34
